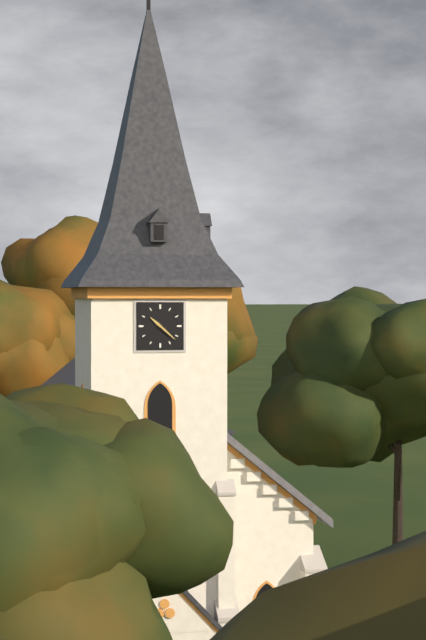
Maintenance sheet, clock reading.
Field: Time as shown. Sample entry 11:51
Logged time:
10:22
